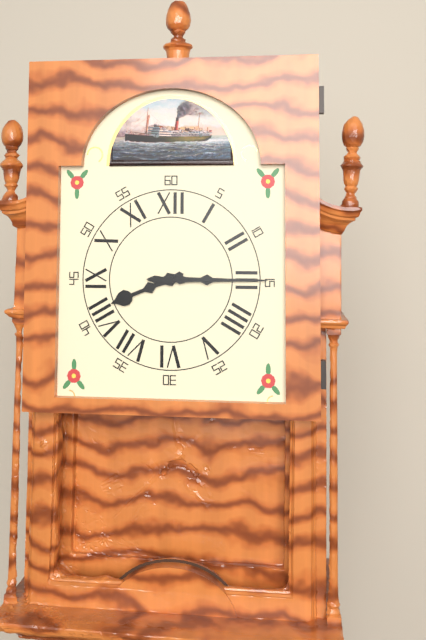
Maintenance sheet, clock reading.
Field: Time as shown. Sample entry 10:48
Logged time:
8:15
